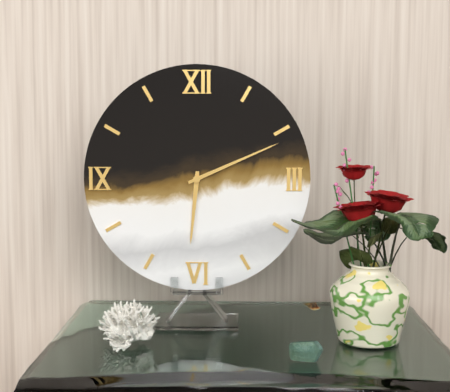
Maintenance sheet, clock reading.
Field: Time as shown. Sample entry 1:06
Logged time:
6:11
